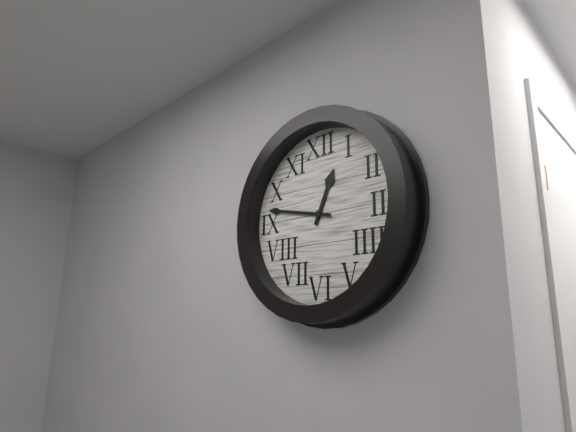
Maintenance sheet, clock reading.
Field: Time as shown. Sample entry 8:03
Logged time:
12:47
